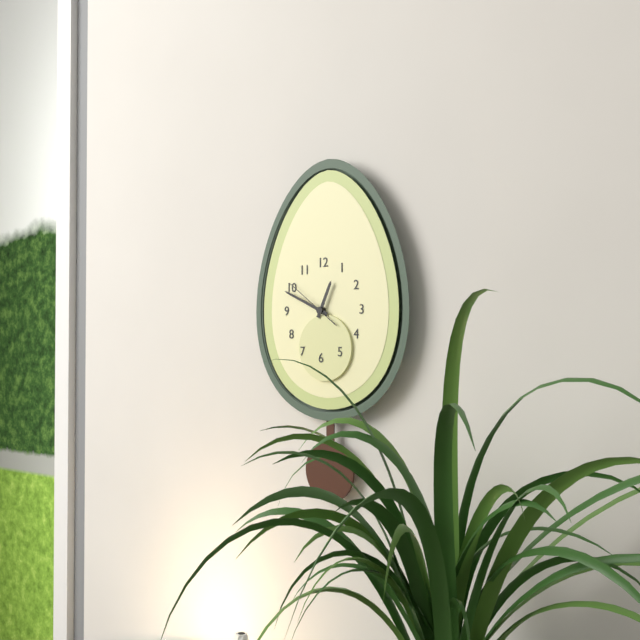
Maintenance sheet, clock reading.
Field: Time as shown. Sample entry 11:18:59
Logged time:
12:49:51
